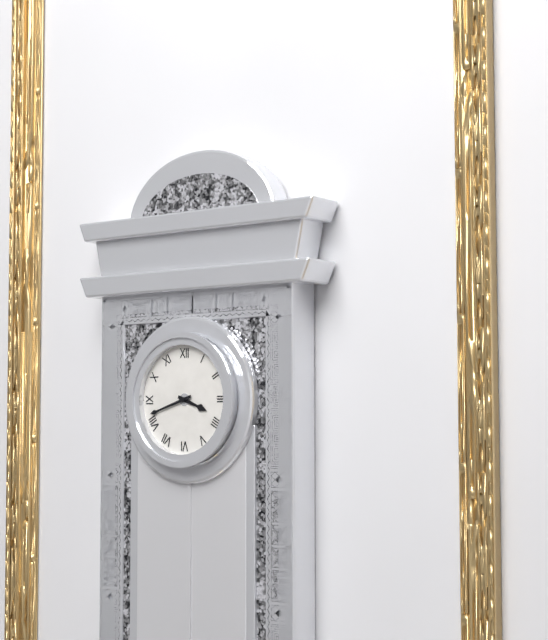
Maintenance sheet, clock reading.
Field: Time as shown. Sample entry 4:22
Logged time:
3:42
